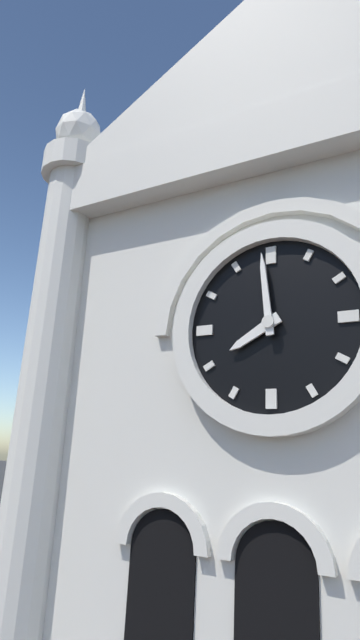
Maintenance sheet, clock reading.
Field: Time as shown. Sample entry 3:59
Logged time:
7:59
